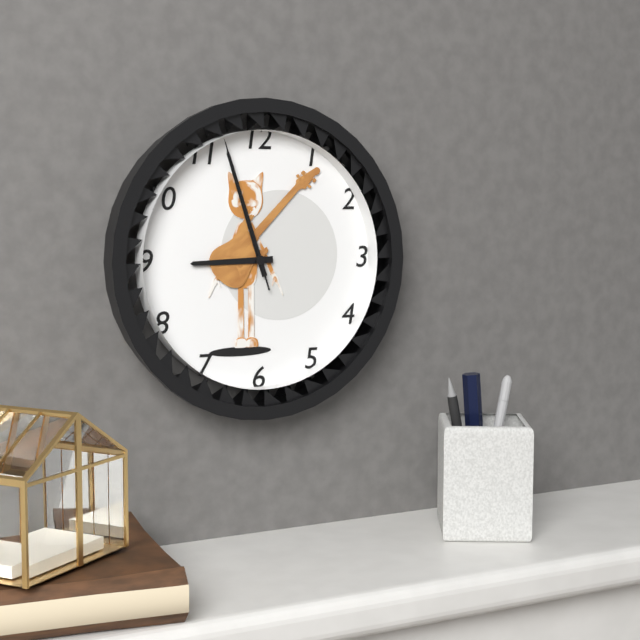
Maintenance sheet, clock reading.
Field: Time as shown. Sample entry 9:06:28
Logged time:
8:57:57
